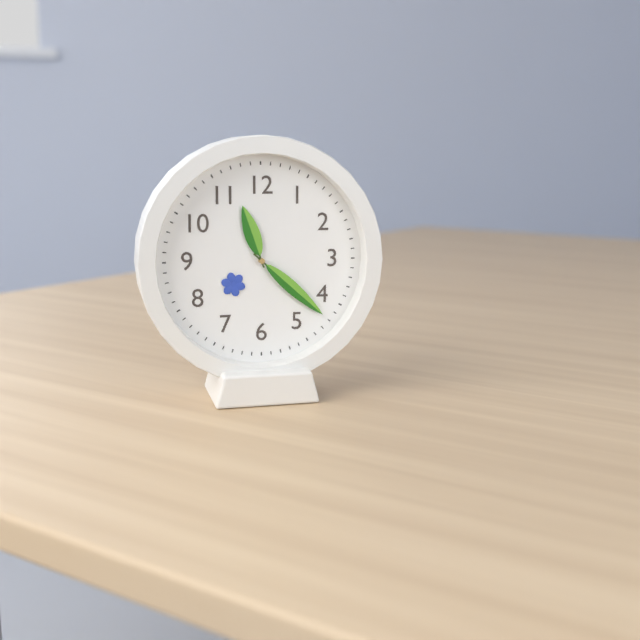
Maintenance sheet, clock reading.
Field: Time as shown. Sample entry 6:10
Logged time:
11:22
